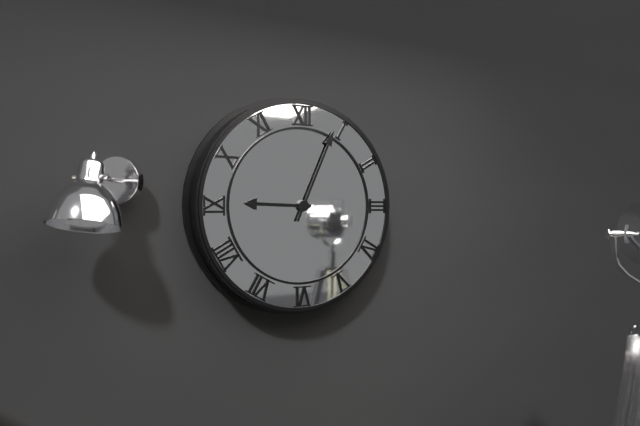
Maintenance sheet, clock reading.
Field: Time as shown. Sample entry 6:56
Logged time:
9:04
